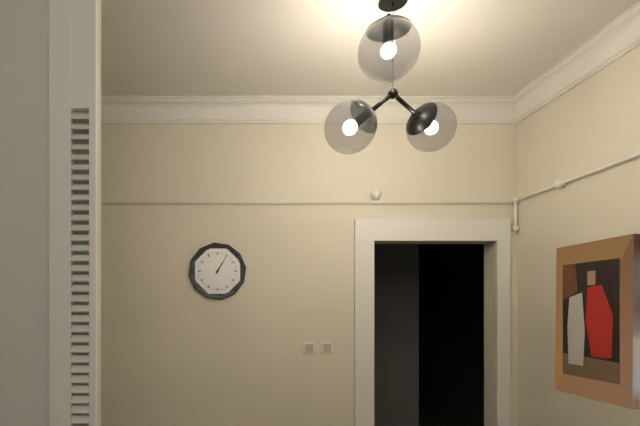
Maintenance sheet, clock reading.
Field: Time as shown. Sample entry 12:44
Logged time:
1:05
